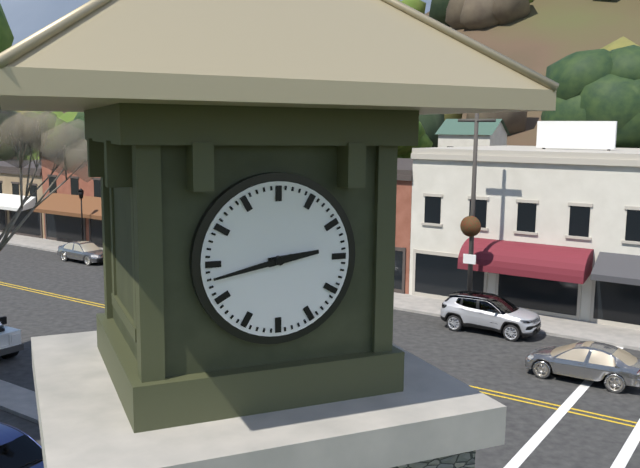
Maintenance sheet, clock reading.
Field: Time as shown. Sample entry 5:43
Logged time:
2:43
